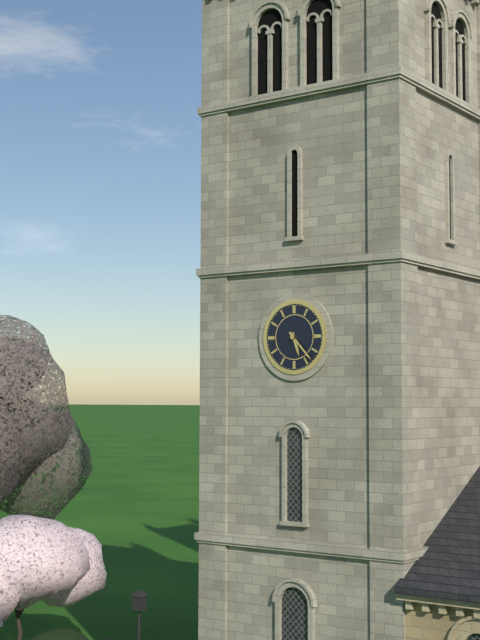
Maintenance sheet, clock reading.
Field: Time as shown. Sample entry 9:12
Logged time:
5:23
